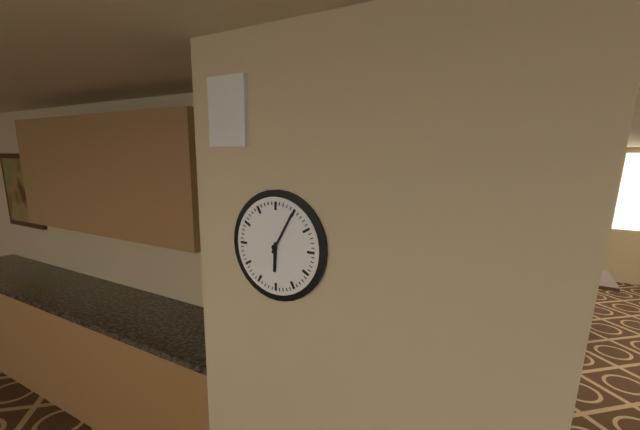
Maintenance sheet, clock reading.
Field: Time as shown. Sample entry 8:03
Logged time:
6:05
